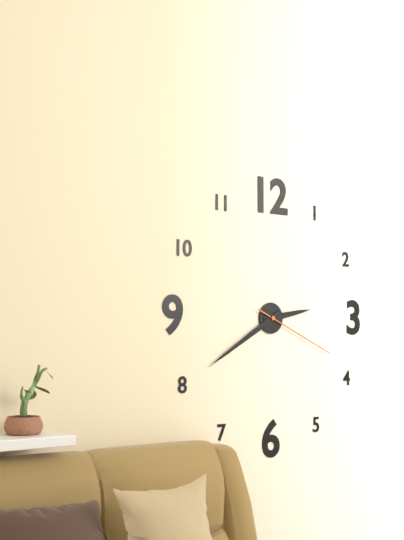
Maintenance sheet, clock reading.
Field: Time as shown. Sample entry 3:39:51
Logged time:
2:40:19
